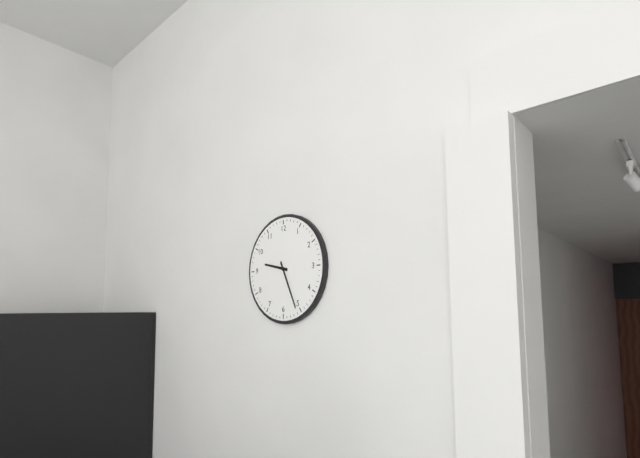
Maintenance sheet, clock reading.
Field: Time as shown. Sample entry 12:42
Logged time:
9:26
